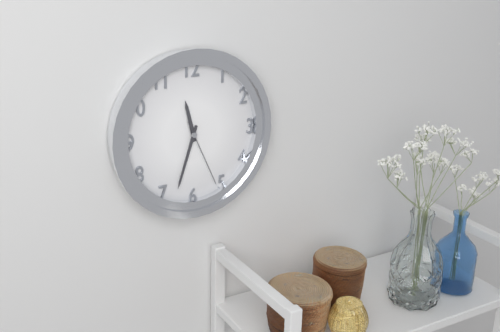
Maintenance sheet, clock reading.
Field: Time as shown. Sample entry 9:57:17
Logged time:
11:33:26
